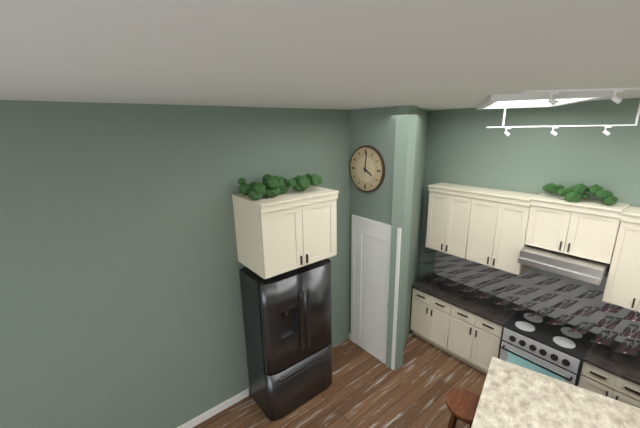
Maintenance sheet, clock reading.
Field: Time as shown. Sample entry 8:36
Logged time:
4:01
